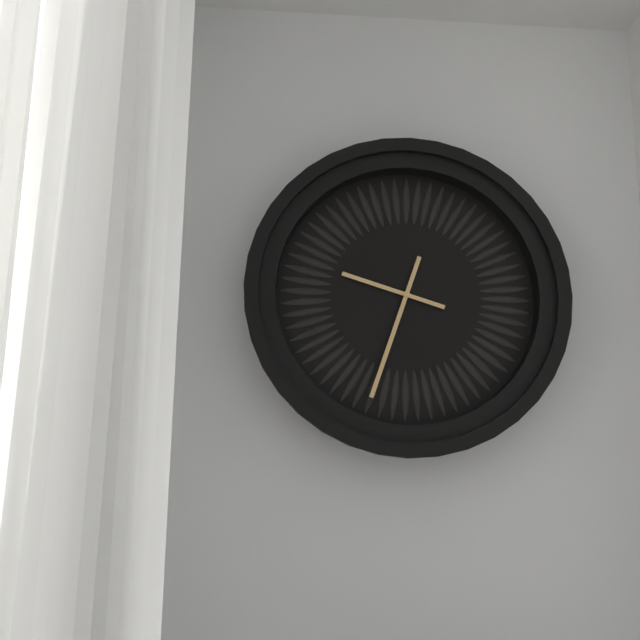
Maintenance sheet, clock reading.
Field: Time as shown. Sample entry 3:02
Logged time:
9:33
